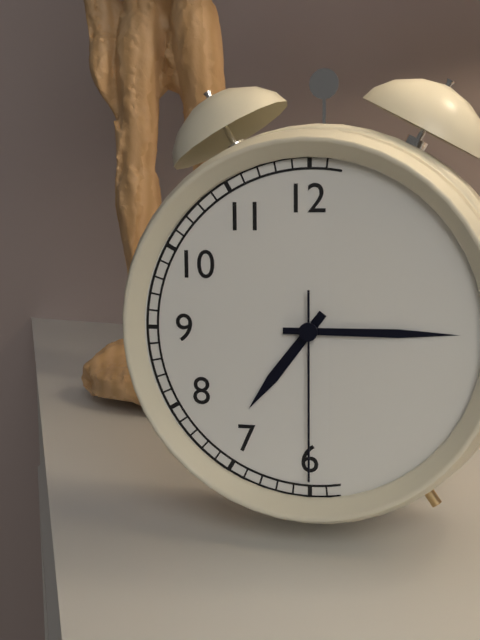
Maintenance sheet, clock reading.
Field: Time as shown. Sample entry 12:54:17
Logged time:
7:15:30
